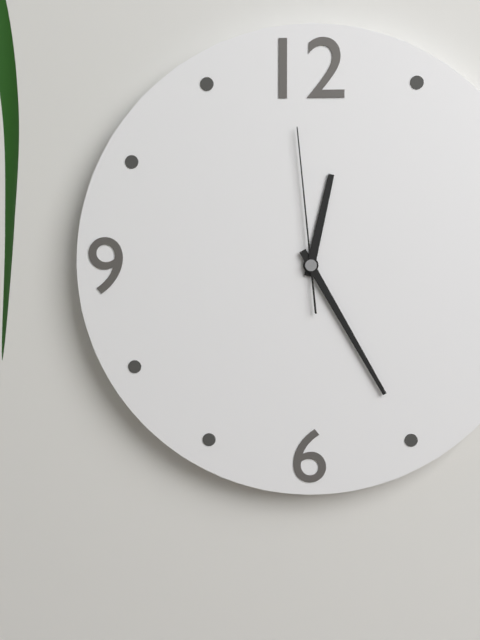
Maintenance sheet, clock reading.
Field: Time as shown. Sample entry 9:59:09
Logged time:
12:25:59
